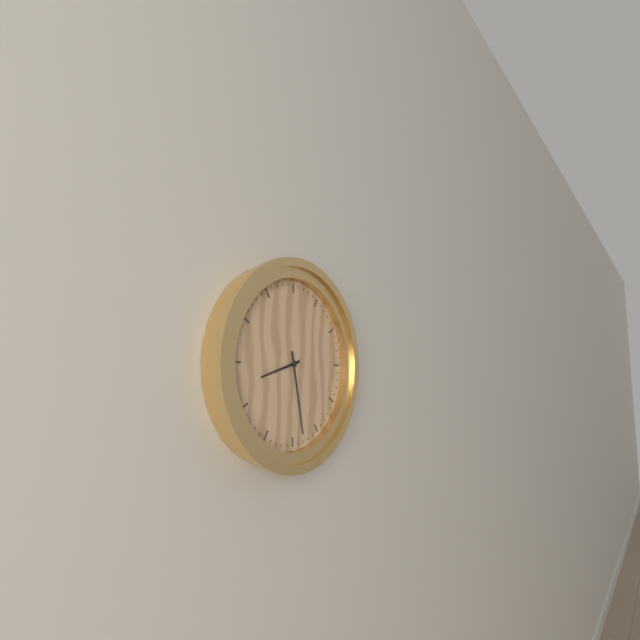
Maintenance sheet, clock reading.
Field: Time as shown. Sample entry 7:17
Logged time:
8:28
